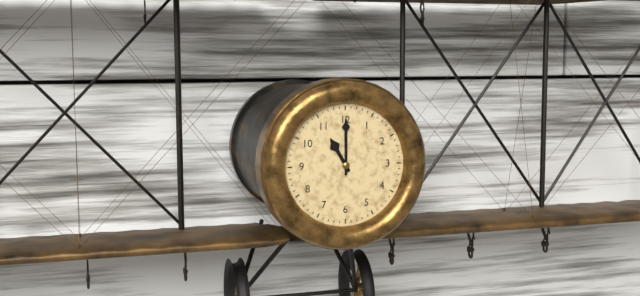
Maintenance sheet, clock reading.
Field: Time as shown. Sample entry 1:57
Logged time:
11:00
